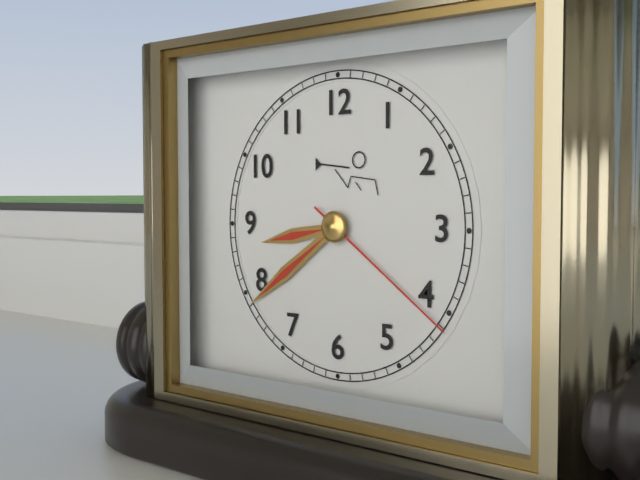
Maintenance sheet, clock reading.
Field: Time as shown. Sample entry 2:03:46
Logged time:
8:39:21
